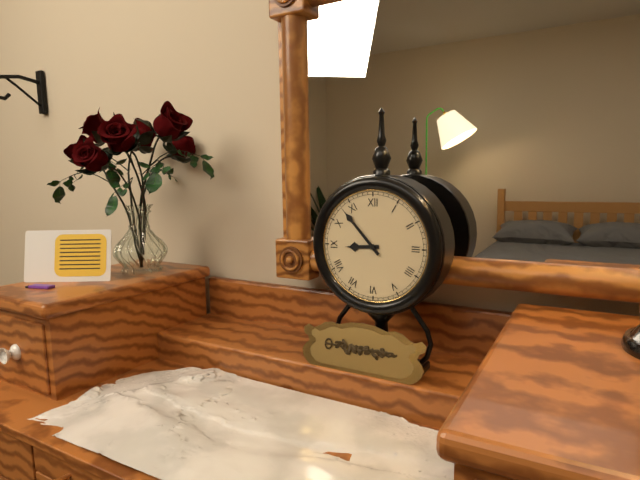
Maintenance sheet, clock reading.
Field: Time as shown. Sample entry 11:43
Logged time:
8:53
